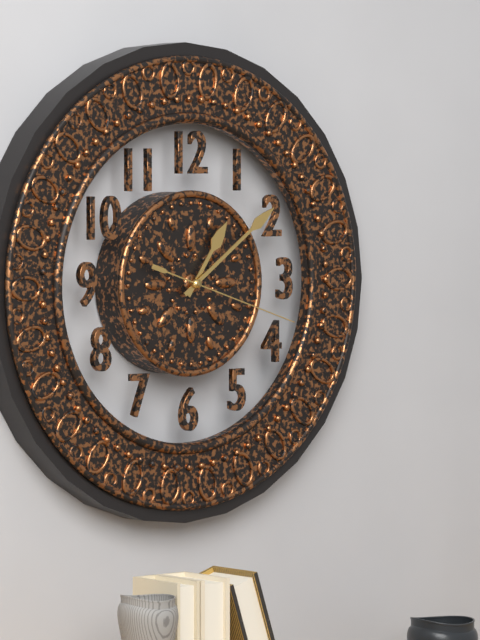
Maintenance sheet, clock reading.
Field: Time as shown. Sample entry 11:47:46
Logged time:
1:09:18
